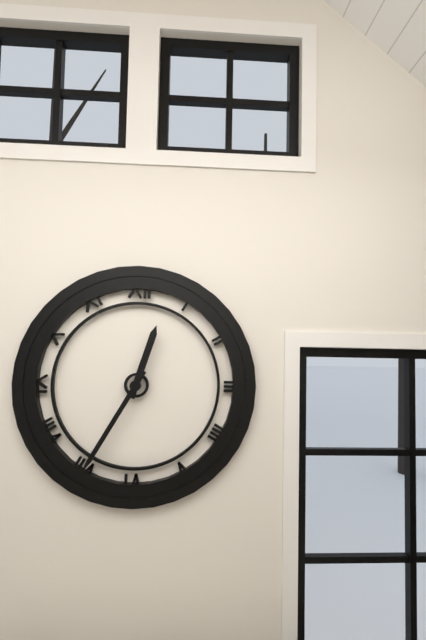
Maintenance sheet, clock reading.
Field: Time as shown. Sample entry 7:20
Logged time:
12:35
